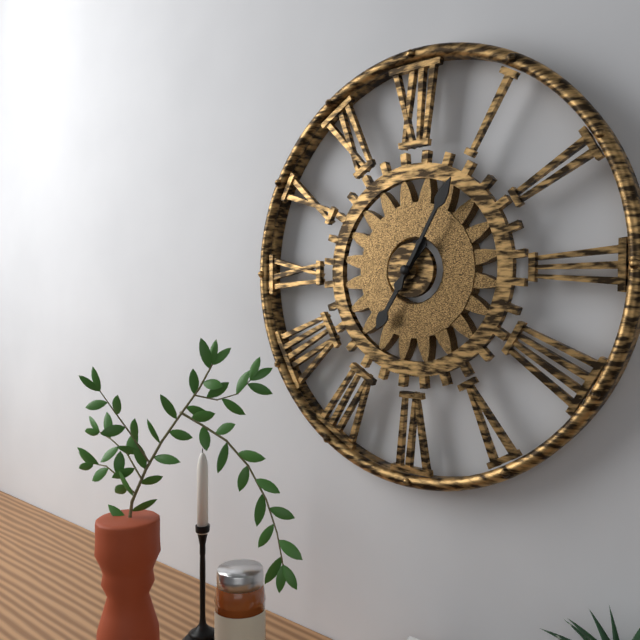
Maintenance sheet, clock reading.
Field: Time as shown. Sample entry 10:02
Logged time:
7:05
